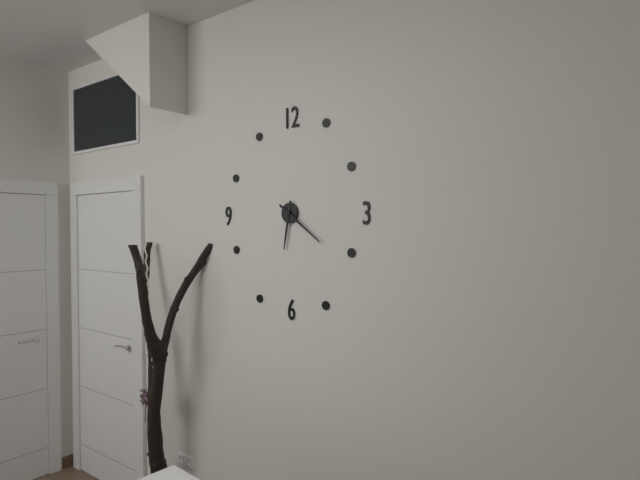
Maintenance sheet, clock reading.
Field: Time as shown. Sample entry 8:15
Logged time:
6:21
